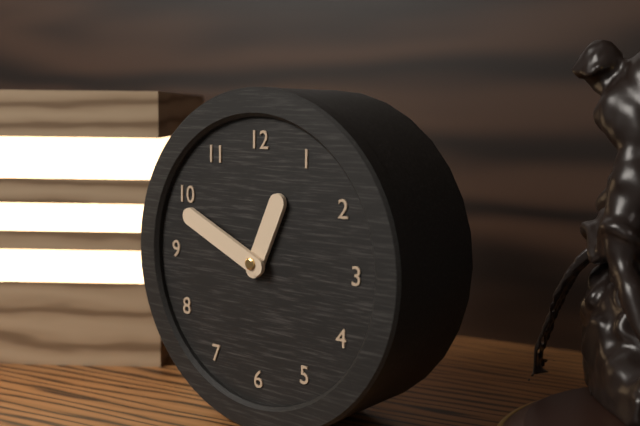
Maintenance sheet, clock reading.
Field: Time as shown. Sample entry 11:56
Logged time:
12:49
